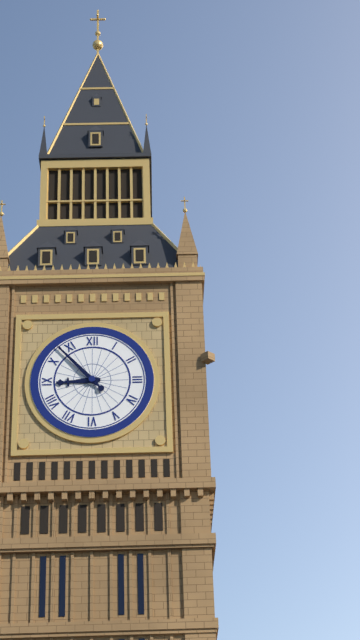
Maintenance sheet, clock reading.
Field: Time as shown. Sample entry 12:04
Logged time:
8:53
